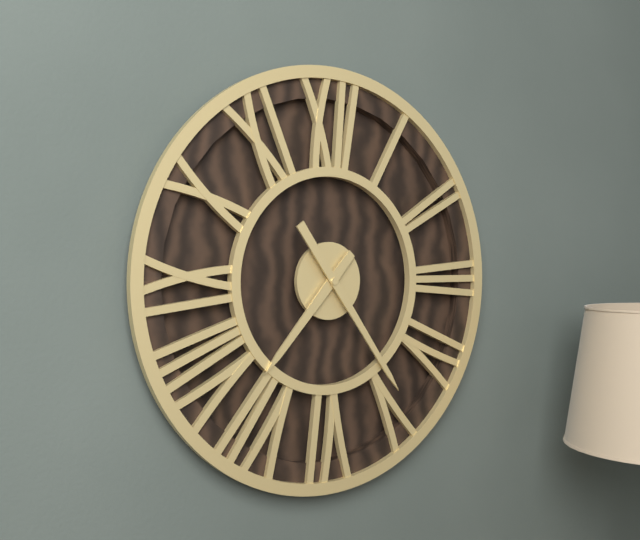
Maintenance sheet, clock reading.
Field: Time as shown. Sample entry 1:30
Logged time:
7:24
